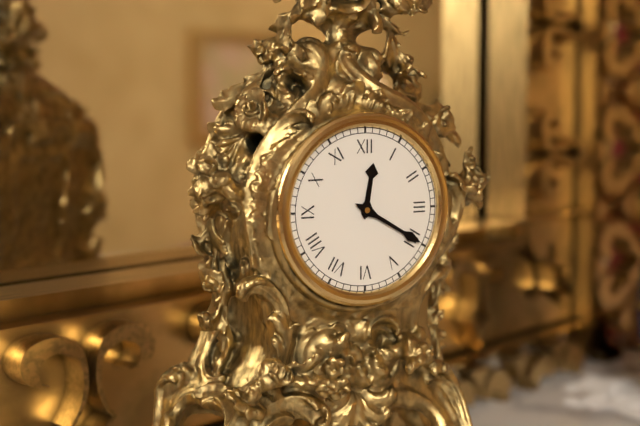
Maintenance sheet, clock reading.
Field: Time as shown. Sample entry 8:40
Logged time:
12:20
